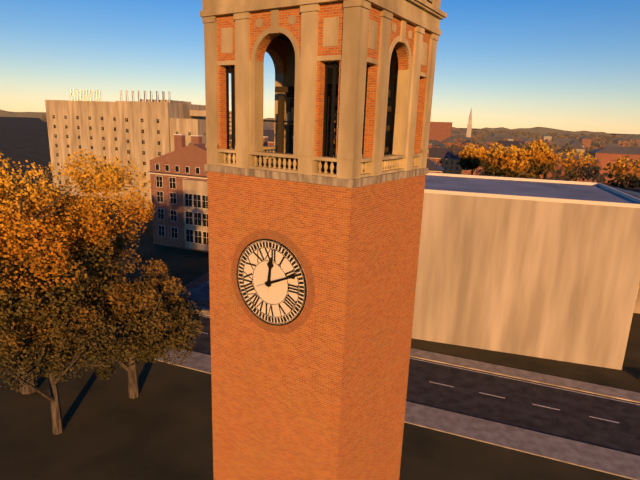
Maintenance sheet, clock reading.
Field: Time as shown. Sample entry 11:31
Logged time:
12:11
